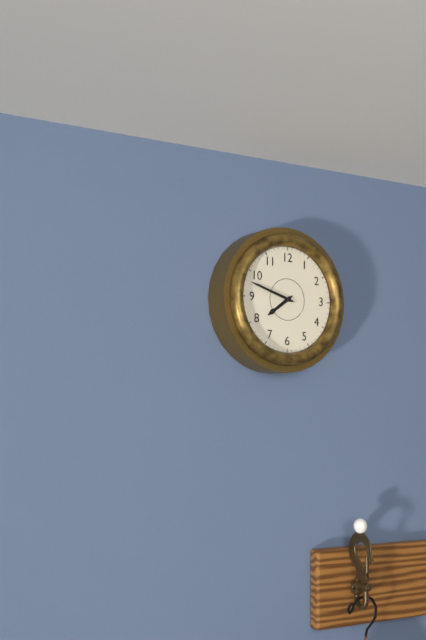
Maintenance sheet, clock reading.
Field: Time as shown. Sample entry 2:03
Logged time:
7:48
